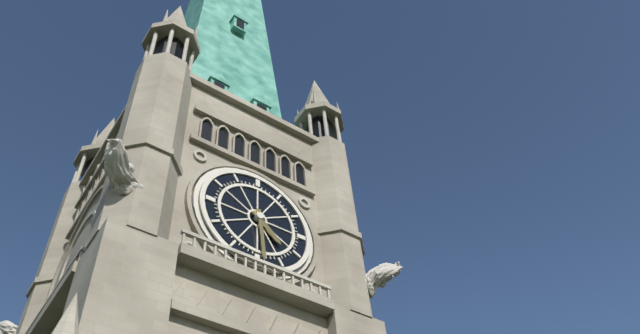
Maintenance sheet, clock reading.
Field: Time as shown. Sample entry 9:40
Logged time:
4:29
